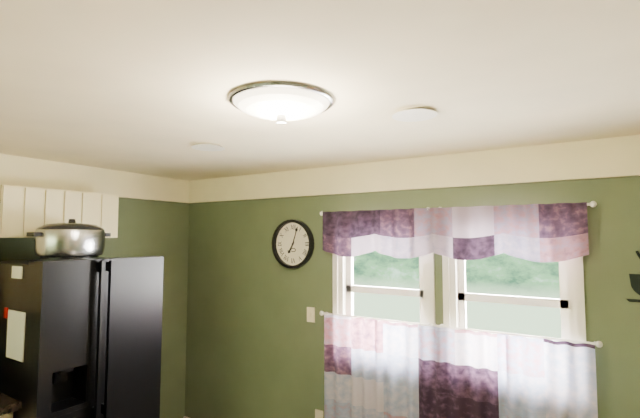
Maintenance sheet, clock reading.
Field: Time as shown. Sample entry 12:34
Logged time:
7:03
